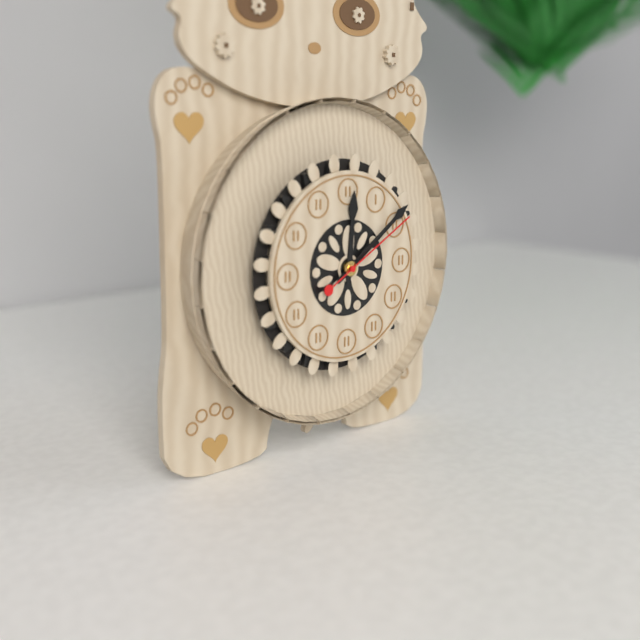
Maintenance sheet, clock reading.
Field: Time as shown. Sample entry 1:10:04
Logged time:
12:09:10
